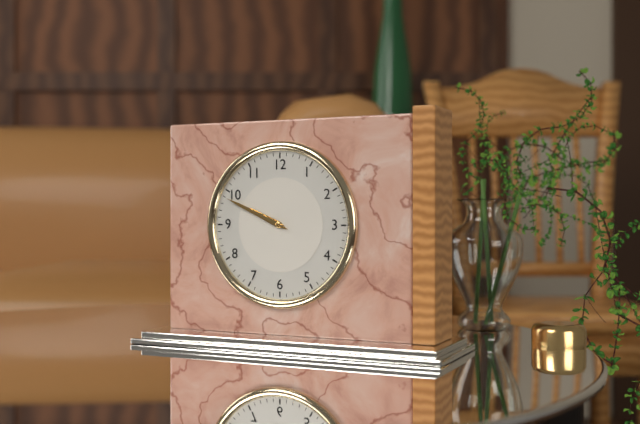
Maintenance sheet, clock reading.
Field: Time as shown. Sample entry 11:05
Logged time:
9:49
